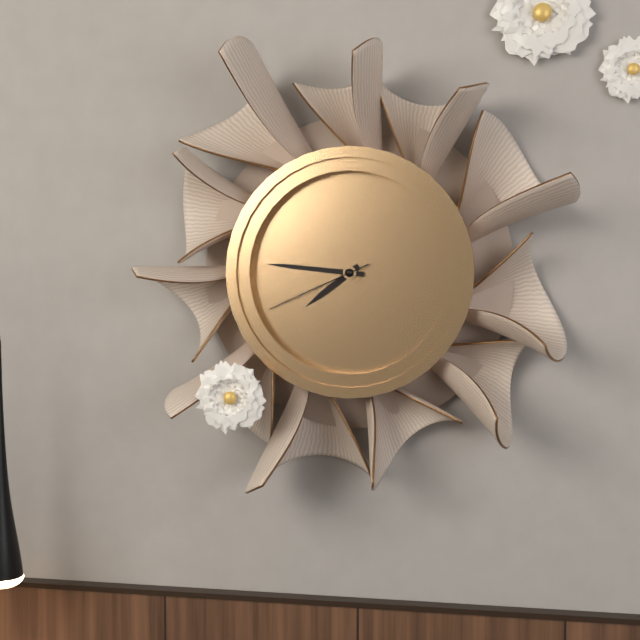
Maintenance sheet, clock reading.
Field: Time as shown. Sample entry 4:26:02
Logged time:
7:46:41
